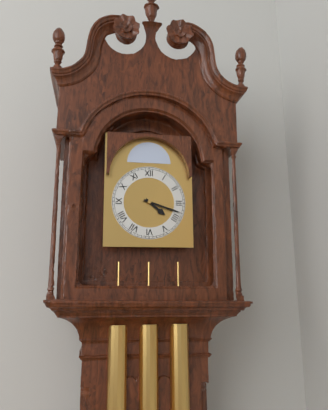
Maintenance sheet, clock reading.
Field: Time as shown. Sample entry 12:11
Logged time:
4:18
